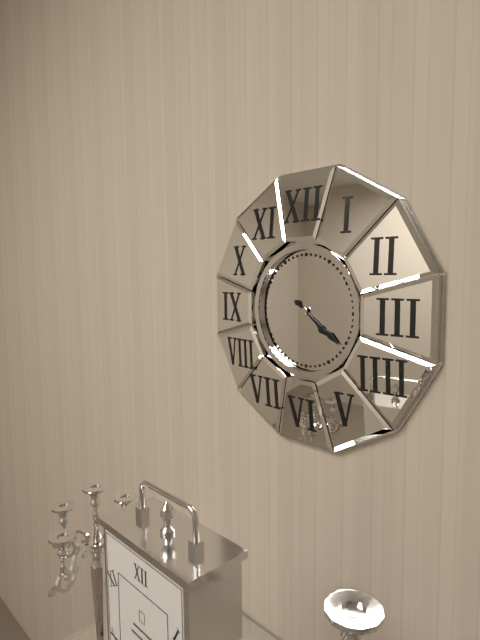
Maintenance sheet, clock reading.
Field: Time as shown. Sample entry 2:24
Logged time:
4:21
